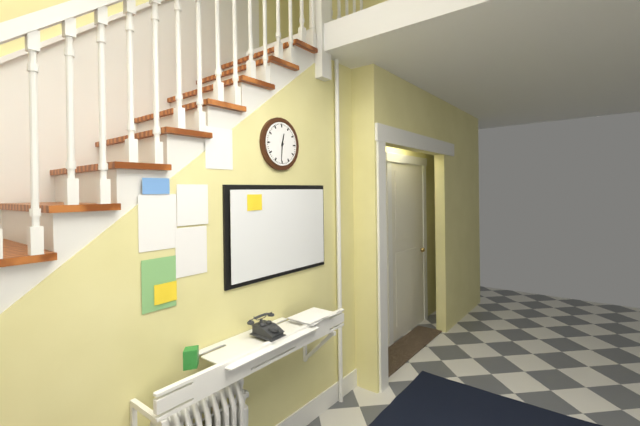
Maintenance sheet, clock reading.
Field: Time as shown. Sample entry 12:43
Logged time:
12:31
